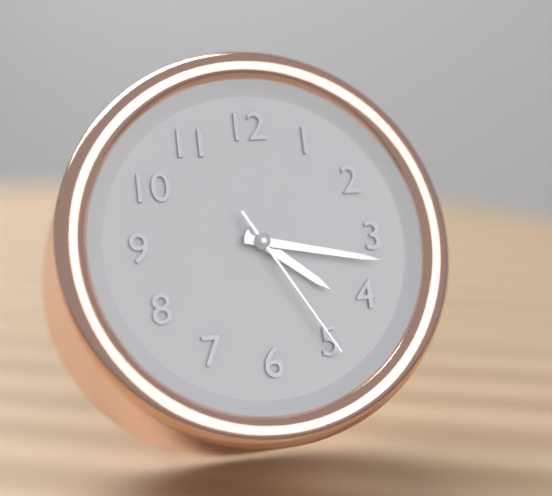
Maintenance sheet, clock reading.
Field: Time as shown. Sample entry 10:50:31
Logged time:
4:17:25
